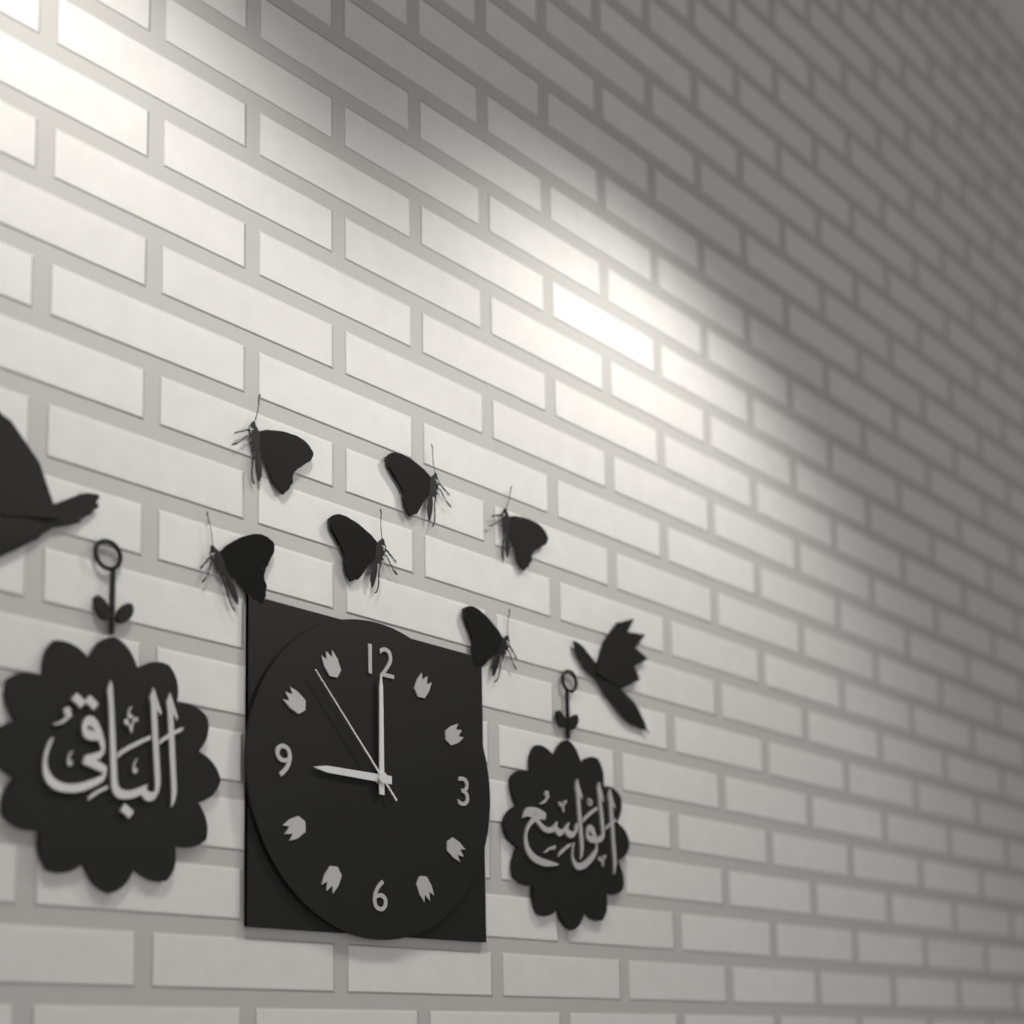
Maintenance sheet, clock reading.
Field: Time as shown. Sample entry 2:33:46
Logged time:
9:00:53
